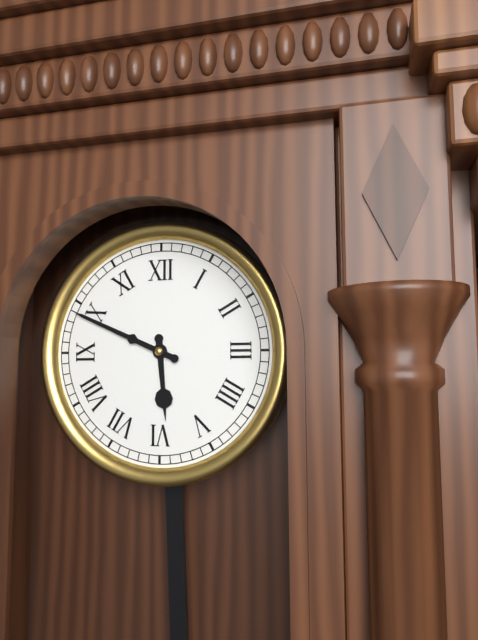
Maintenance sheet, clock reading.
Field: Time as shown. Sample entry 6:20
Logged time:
5:49
